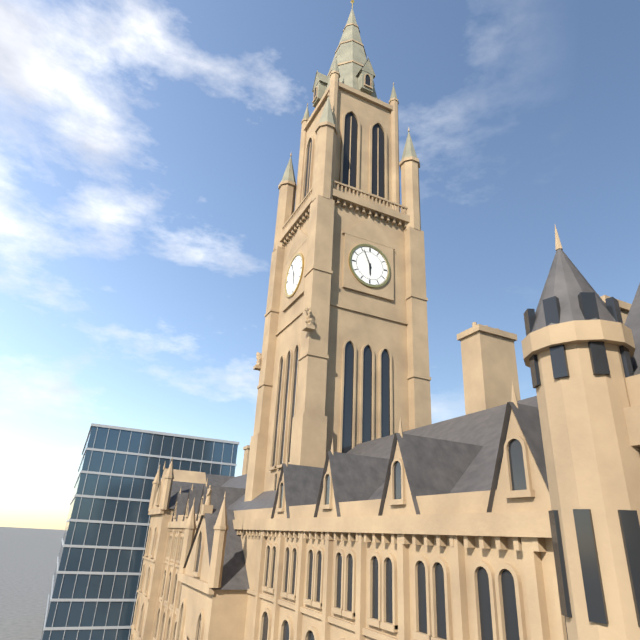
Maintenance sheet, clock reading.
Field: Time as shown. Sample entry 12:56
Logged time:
5:56
